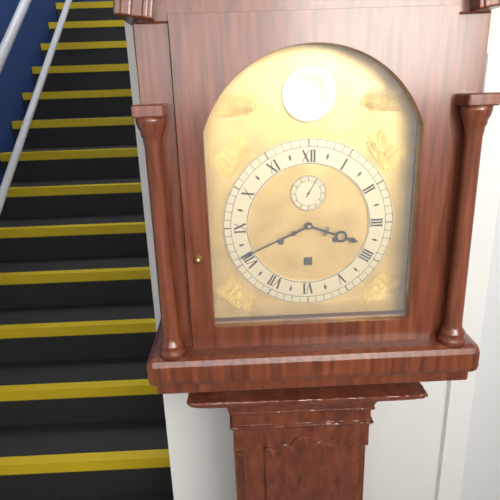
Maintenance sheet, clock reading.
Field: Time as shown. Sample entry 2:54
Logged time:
3:41
